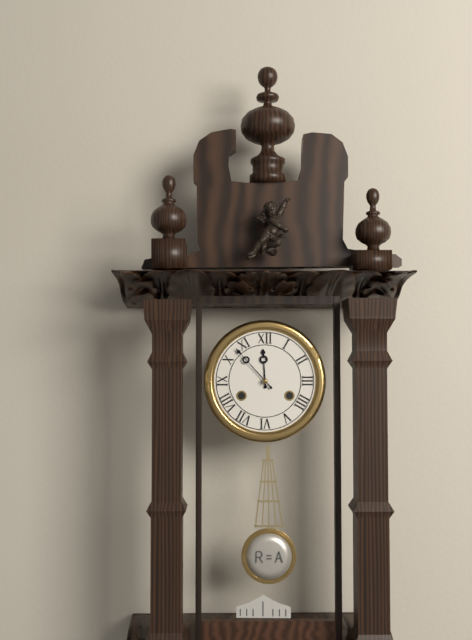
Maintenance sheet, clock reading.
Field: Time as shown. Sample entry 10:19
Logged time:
11:53
